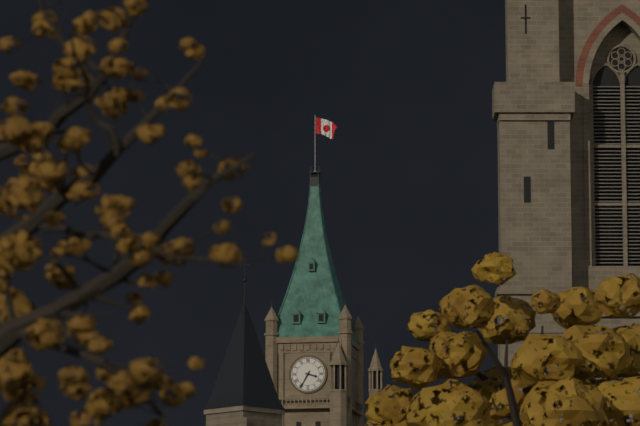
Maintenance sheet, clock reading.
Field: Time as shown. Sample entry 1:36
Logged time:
3:35
